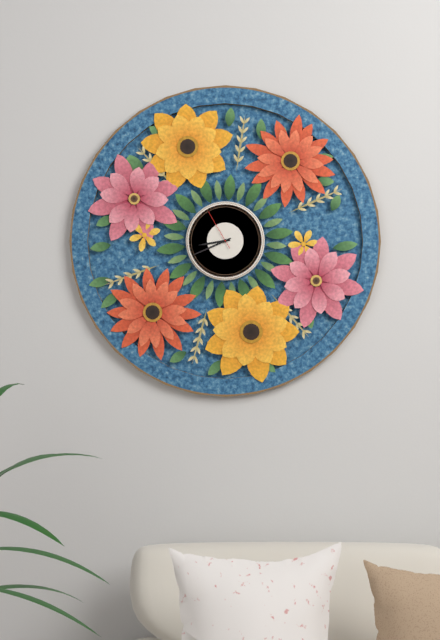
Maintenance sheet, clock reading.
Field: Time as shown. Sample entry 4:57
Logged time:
8:41
